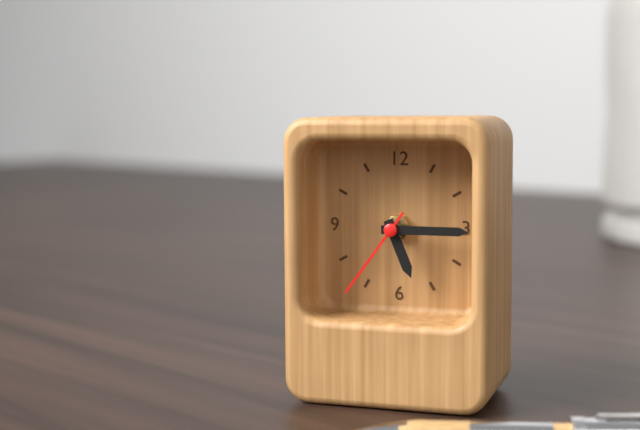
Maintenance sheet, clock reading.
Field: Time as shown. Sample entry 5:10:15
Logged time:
5:15:36
